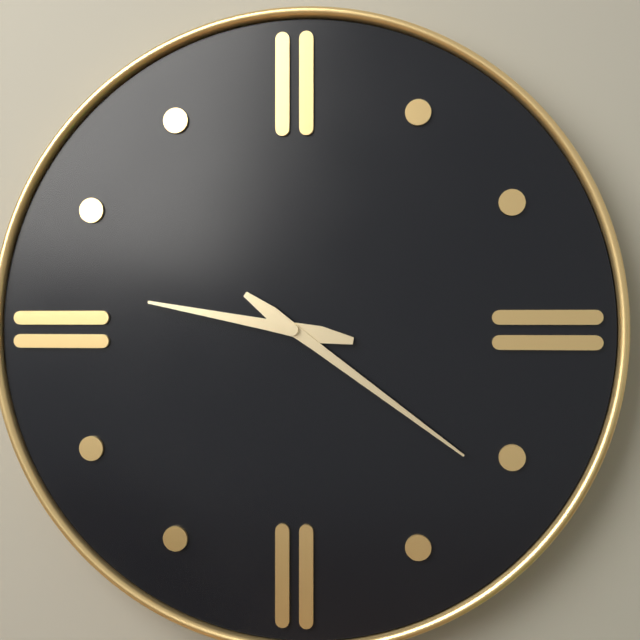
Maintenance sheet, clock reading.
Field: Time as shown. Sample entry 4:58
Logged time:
9:21
